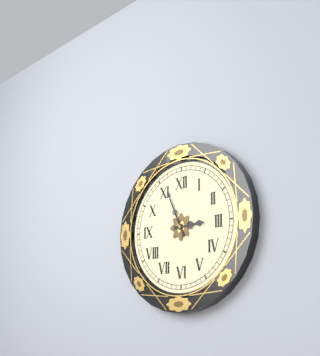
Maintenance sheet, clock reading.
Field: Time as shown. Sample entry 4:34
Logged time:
2:56
